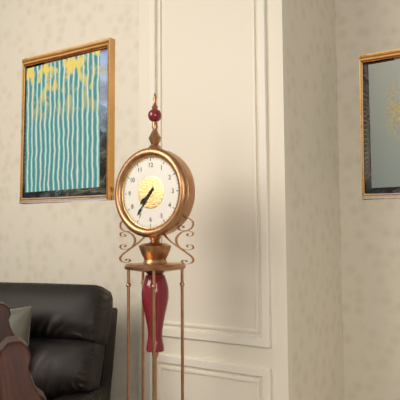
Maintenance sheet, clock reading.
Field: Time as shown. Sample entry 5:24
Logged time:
7:36
